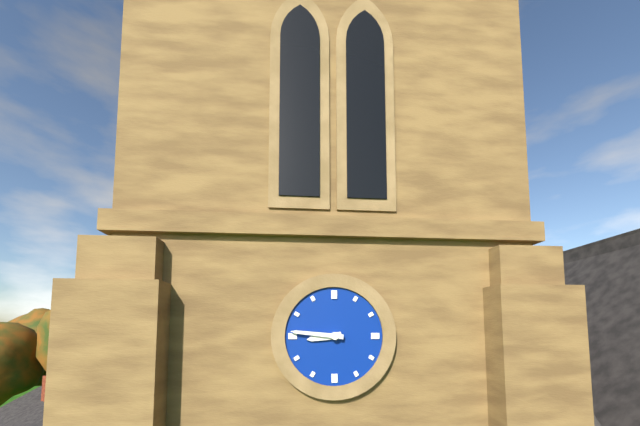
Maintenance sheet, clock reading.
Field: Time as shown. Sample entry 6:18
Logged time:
8:46
